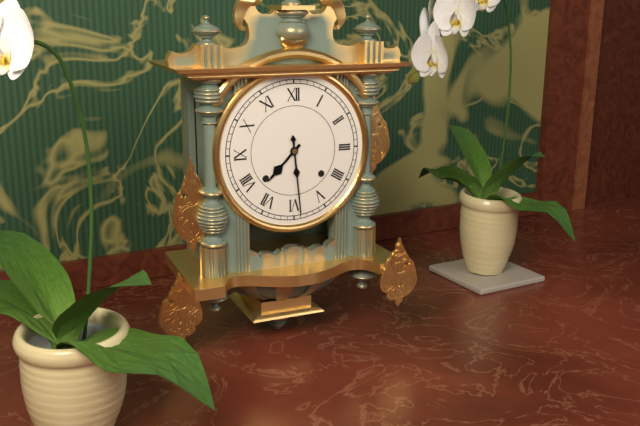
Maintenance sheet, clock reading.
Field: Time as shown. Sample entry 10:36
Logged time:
7:29
